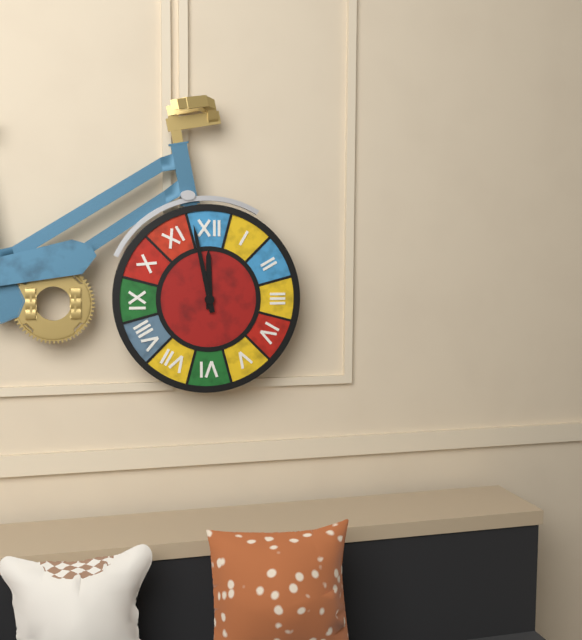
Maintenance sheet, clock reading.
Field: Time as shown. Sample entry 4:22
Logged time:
11:58
